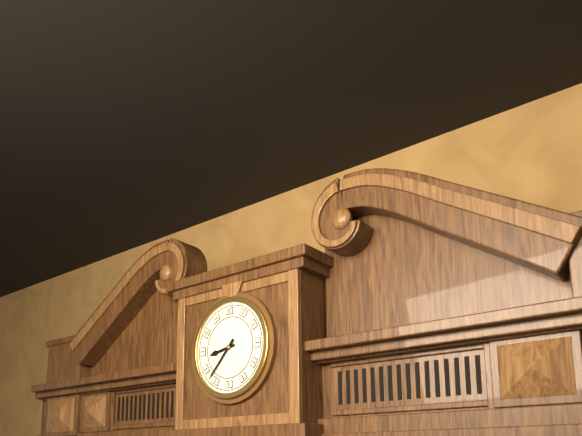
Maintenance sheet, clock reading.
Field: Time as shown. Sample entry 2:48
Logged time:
8:37
